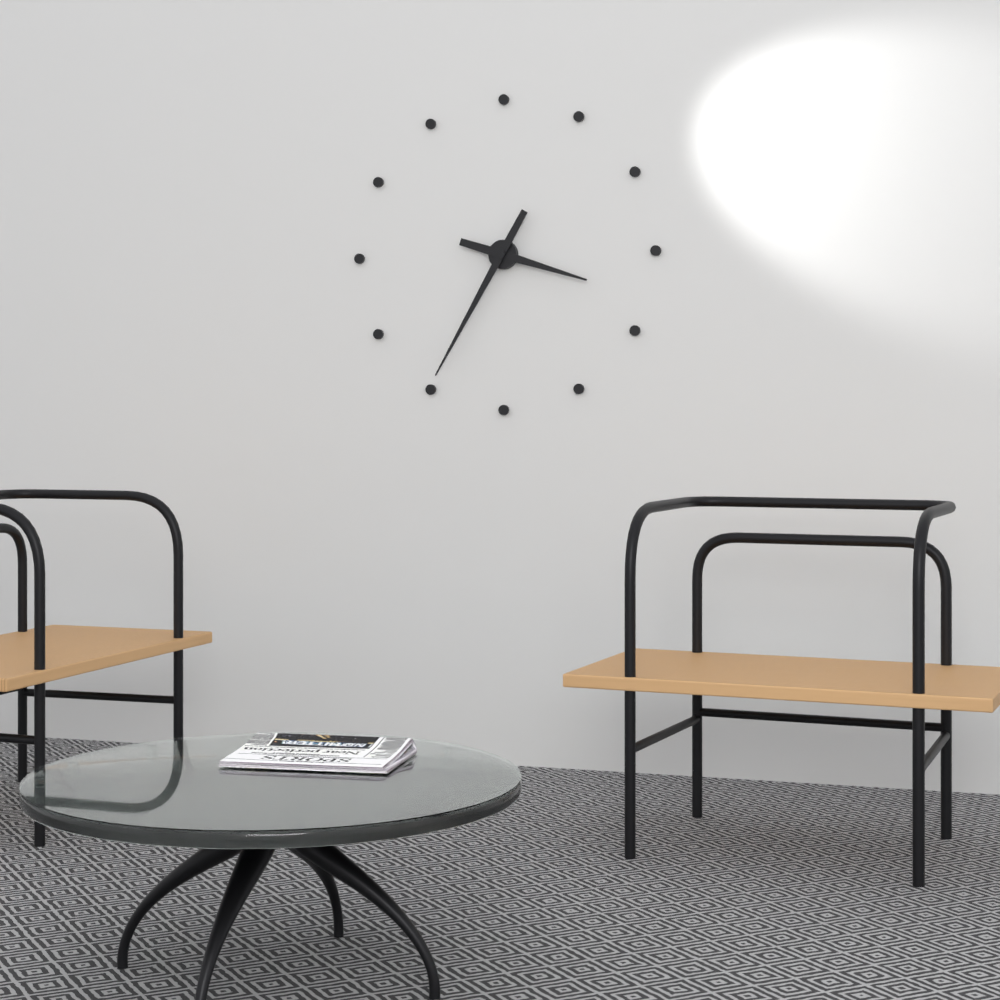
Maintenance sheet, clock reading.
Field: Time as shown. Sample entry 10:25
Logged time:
3:35
